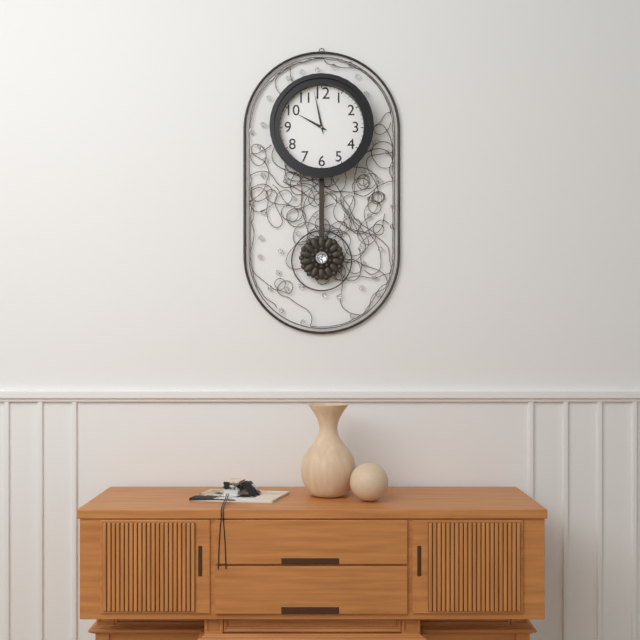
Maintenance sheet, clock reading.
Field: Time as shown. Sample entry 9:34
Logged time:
9:58
